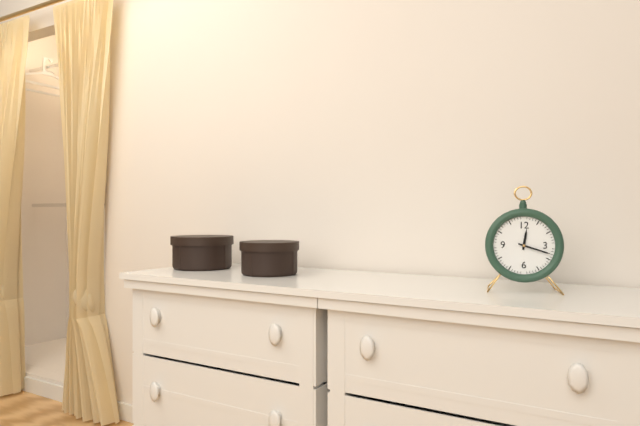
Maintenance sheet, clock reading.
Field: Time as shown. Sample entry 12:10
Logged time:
12:18
